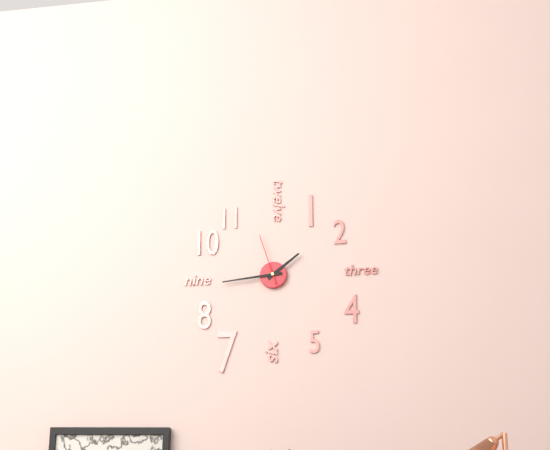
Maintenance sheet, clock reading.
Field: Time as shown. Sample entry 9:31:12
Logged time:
1:44:57
